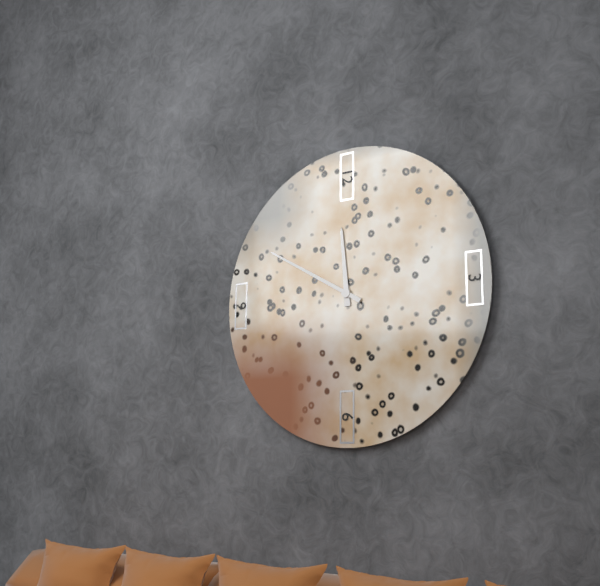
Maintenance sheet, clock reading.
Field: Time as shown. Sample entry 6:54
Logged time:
11:50
